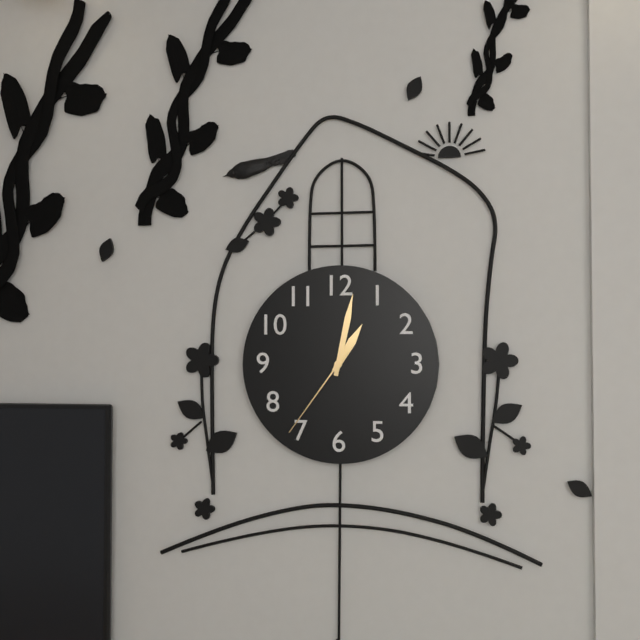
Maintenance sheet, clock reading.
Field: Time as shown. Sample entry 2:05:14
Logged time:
1:02:36
